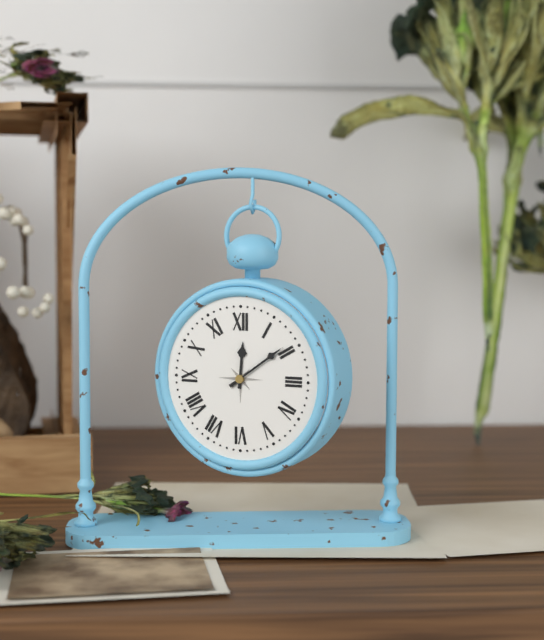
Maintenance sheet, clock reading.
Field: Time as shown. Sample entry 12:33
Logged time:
12:09
